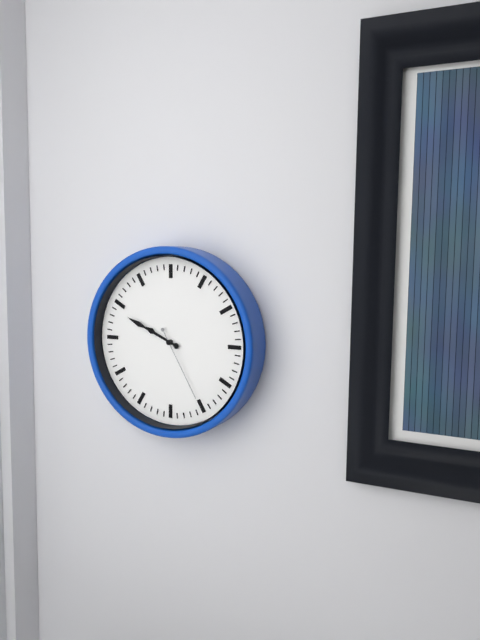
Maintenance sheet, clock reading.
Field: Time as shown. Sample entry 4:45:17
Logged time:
9:49:25
